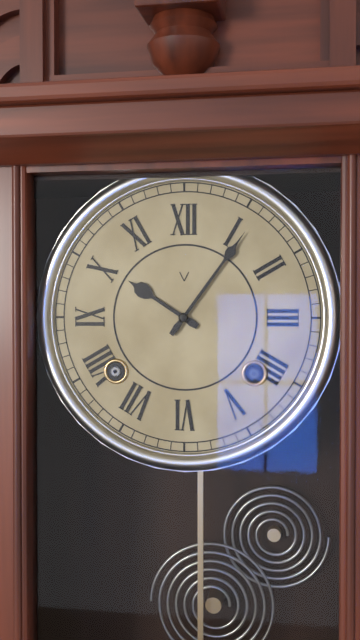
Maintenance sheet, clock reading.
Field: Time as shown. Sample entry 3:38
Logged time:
10:06
